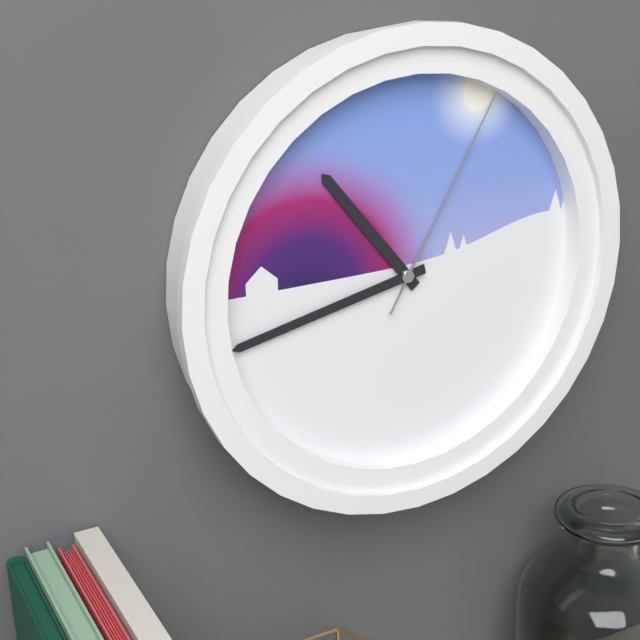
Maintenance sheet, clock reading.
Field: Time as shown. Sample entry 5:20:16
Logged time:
10:43:05
